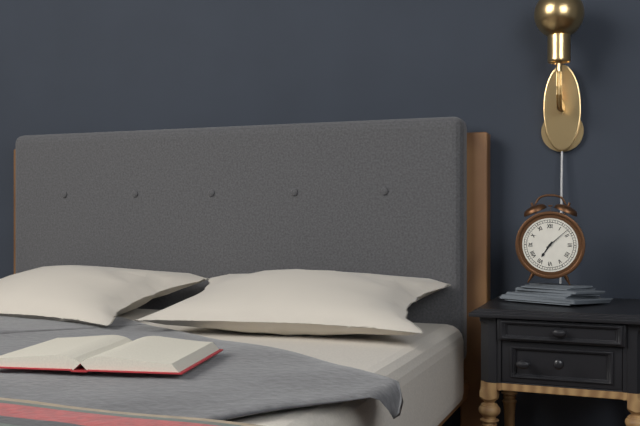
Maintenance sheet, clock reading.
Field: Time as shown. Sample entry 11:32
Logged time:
7:08
